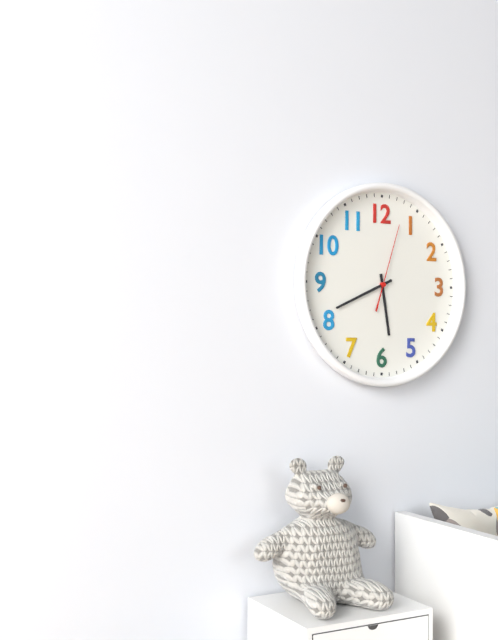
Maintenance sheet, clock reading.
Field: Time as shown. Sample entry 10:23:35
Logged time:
5:41:03
